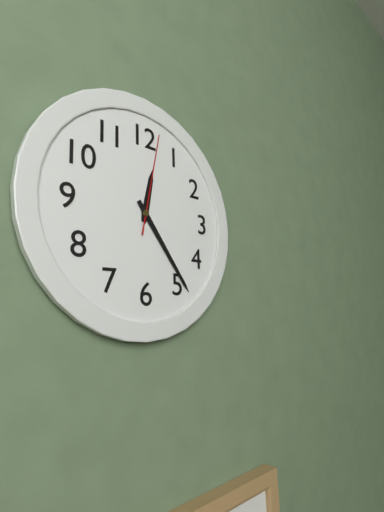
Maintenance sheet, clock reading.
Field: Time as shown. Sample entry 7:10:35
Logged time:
12:24:02
